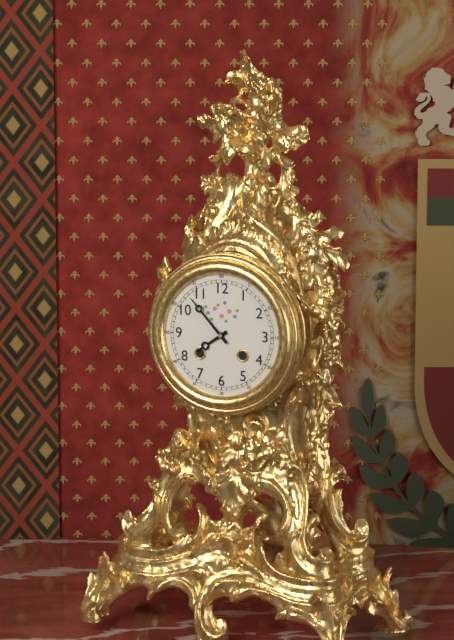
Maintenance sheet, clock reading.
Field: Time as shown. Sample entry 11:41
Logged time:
7:53
